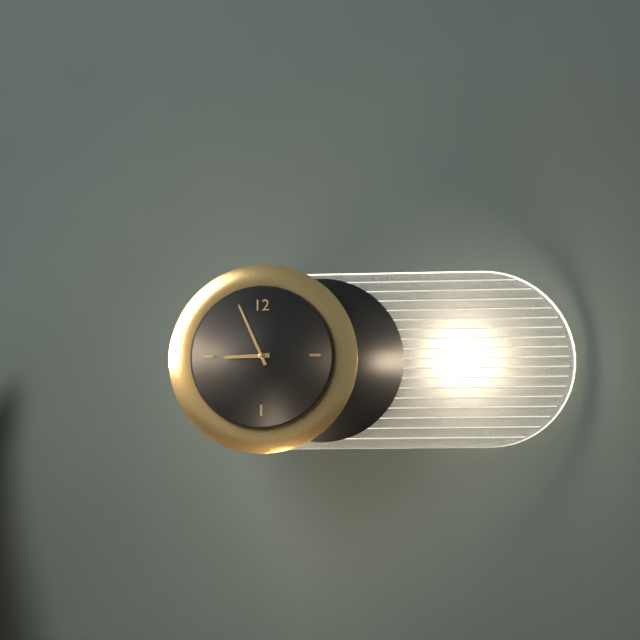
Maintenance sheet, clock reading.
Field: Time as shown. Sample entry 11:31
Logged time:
8:56
